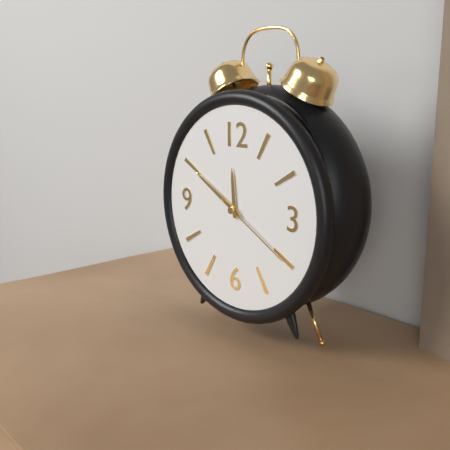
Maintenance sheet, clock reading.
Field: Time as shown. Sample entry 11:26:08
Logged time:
11:50:20
